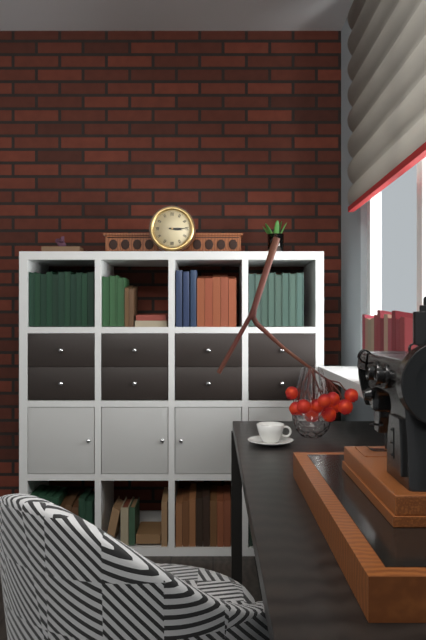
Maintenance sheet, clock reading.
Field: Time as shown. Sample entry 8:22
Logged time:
3:15
